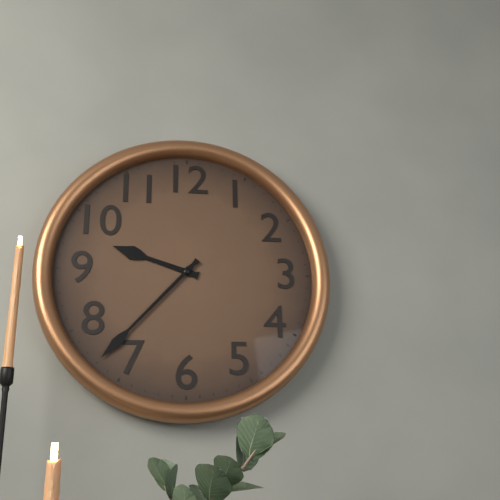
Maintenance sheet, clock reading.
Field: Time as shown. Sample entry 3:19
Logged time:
9:37
